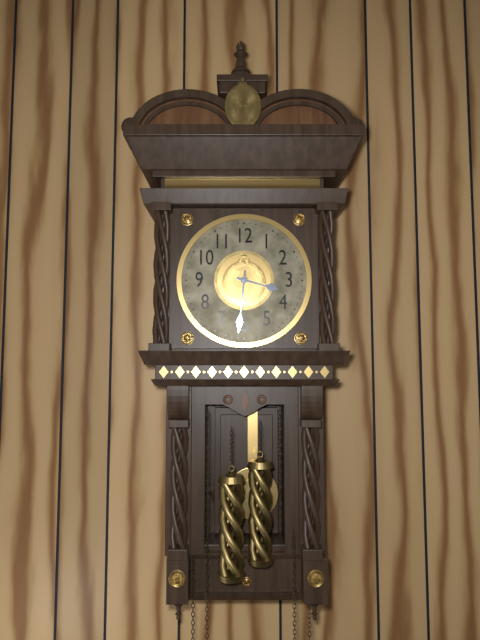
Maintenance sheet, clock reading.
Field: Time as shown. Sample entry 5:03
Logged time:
3:31
